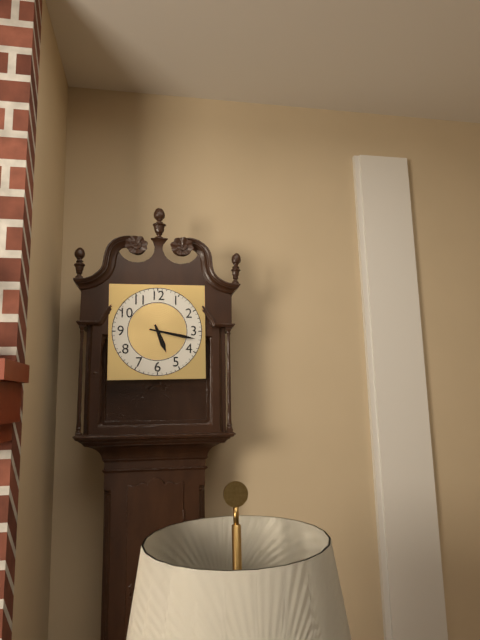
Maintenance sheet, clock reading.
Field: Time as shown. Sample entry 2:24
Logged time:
5:17
